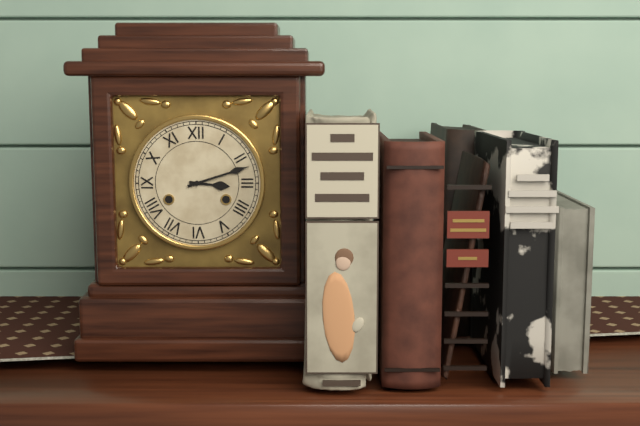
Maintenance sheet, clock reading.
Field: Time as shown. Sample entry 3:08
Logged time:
3:12
